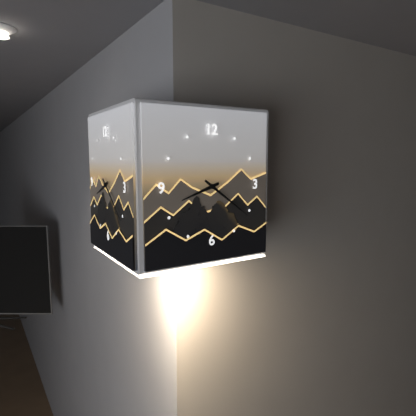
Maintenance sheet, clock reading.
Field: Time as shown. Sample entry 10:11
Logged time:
8:21
